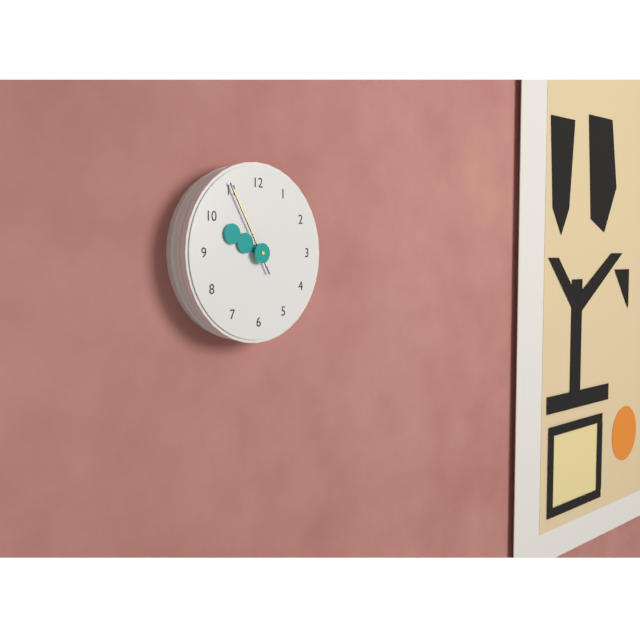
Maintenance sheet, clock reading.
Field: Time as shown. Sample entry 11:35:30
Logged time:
9:55:55
